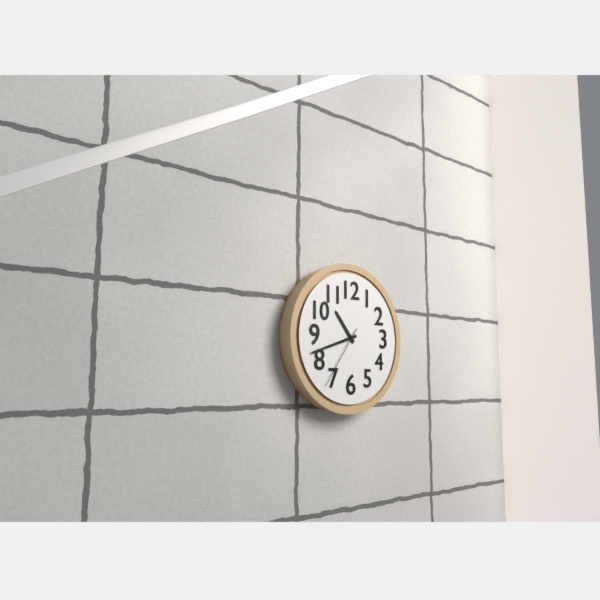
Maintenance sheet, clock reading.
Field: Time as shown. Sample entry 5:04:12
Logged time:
10:42:36
